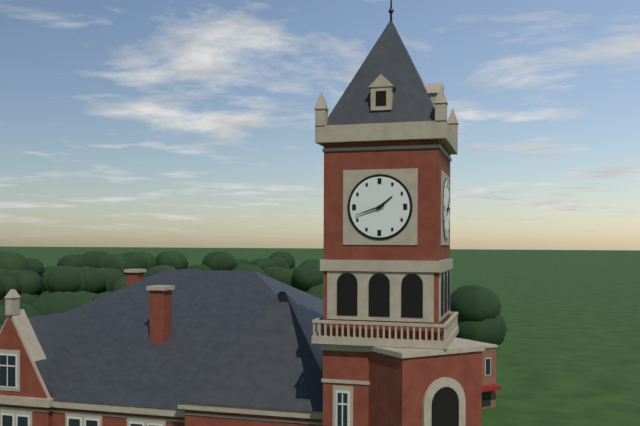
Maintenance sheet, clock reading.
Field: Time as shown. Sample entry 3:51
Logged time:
1:42
